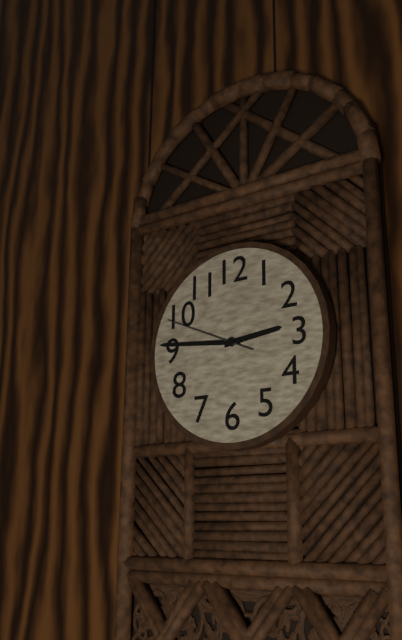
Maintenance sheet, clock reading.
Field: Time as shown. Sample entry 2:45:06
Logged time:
2:46:49
